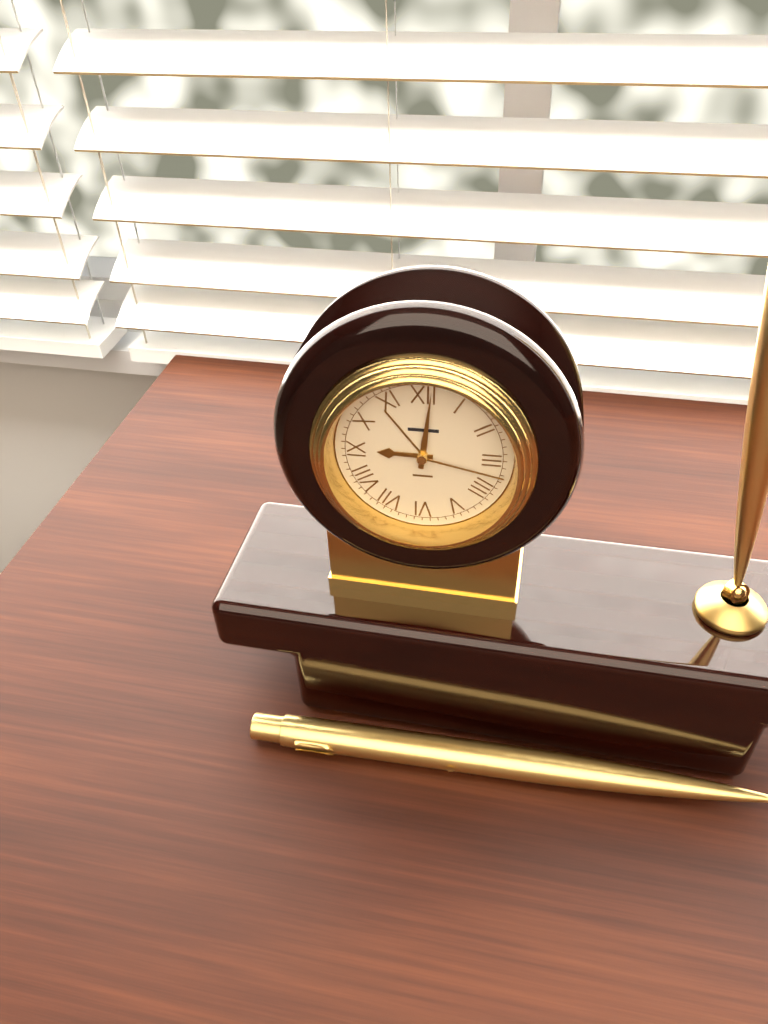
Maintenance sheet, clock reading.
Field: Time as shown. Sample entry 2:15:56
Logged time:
9:01:17
